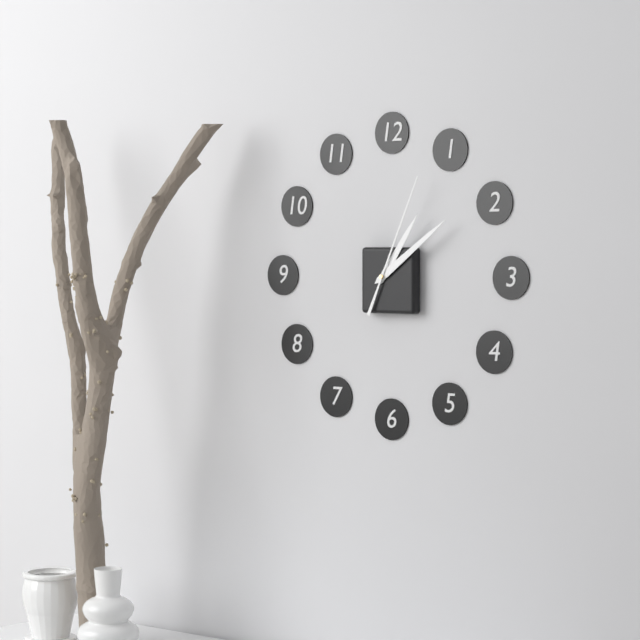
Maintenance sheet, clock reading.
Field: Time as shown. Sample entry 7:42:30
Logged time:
1:09:04
